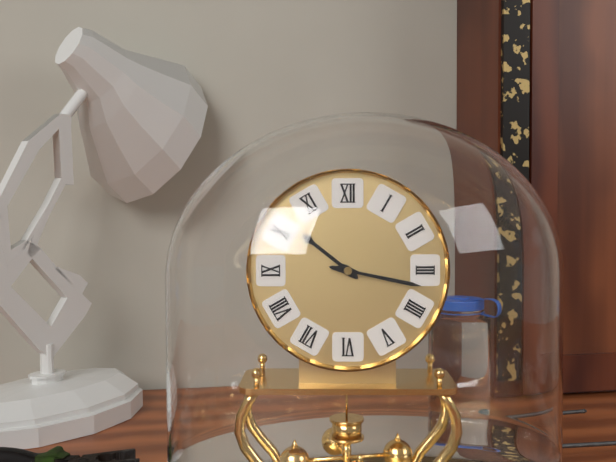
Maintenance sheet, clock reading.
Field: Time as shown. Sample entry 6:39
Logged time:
10:17
